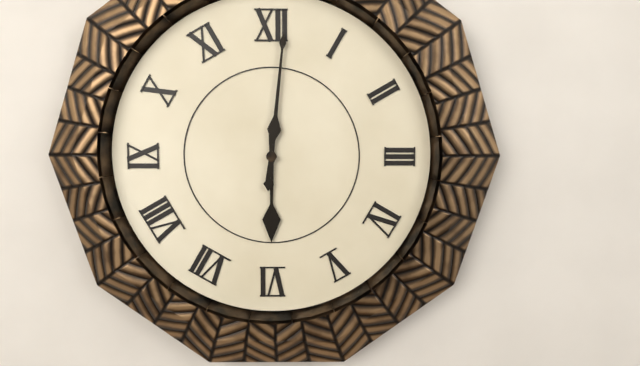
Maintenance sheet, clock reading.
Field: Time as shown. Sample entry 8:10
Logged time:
6:01
